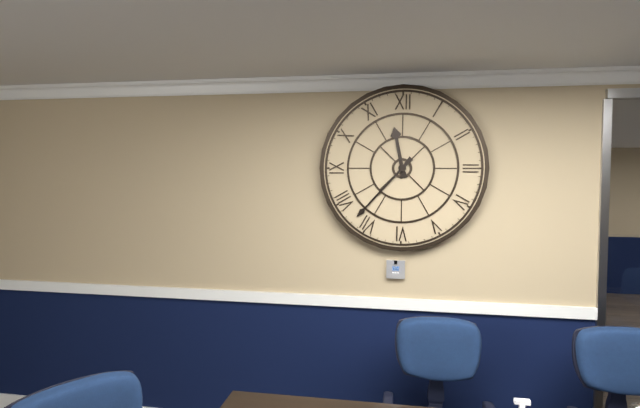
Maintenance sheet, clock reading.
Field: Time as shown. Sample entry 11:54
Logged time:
11:37
